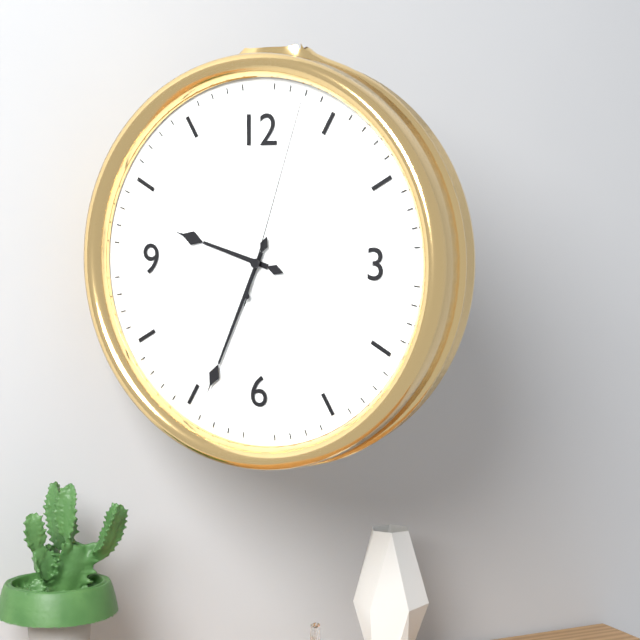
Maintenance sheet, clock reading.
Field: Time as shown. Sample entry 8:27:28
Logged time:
9:34:03
